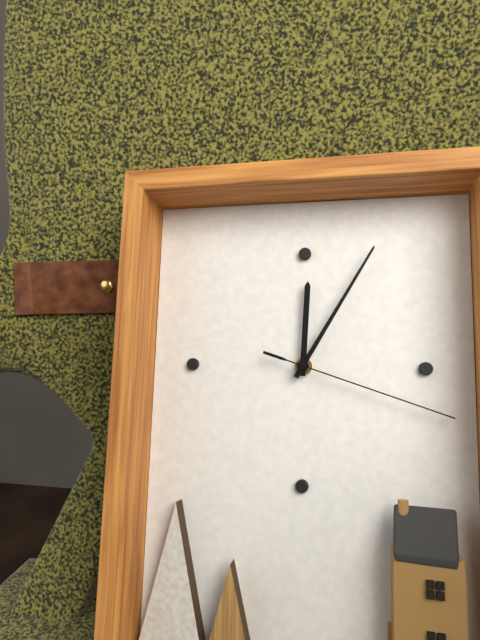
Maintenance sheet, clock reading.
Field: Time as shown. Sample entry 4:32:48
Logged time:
12:05:18
